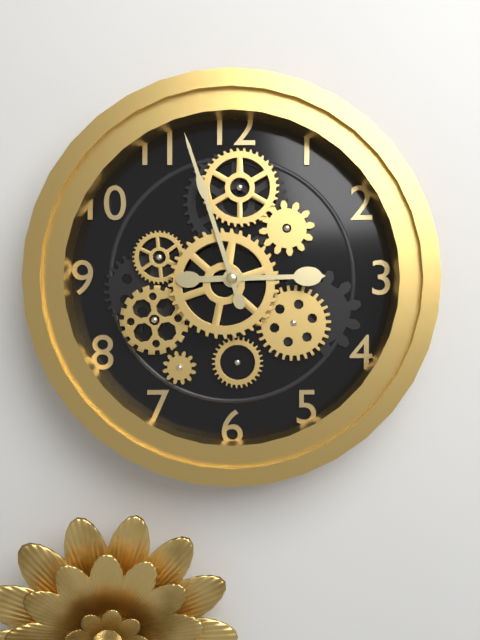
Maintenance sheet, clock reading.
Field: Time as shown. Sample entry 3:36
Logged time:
2:57
